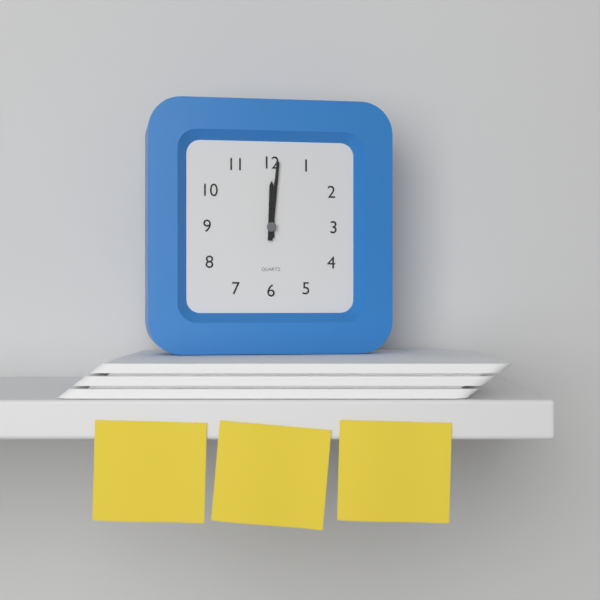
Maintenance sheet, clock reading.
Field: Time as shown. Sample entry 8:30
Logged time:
12:01
